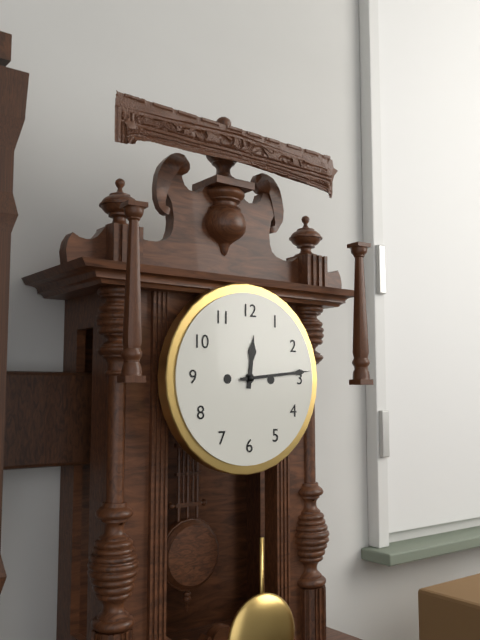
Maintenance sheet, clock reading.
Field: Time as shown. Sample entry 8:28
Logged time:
12:14
